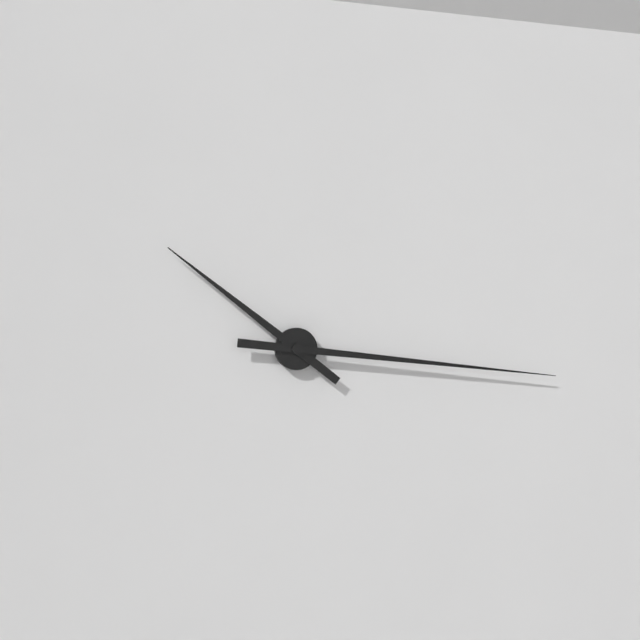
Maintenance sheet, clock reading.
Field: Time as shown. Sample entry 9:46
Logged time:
10:16
